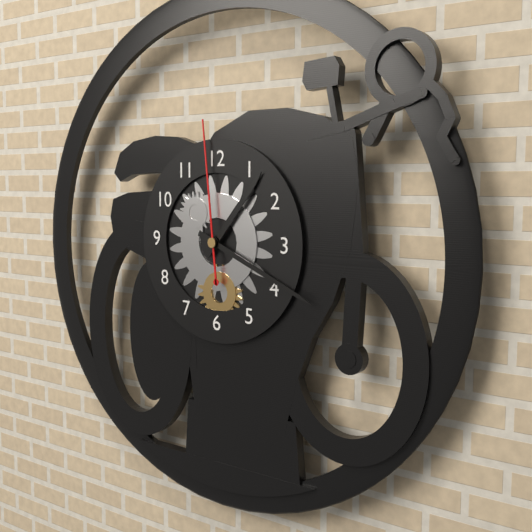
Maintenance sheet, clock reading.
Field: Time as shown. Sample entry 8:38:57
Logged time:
1:19:59
